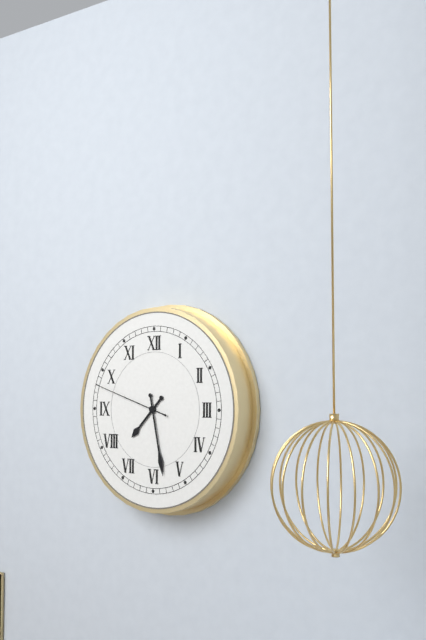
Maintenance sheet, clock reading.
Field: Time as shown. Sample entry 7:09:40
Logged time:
7:28:48
